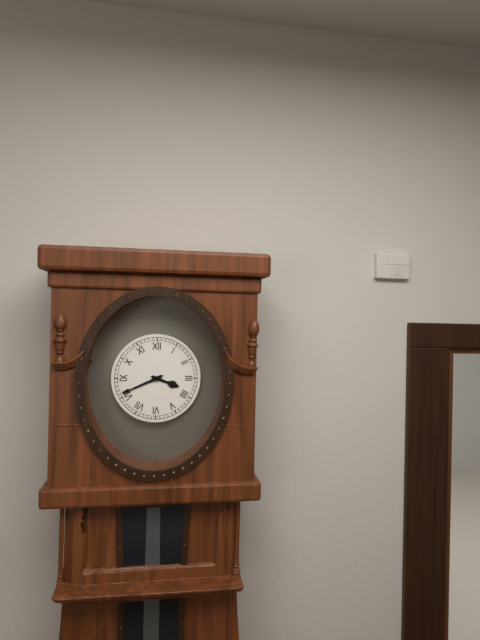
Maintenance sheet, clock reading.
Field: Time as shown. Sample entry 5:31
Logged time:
3:41
